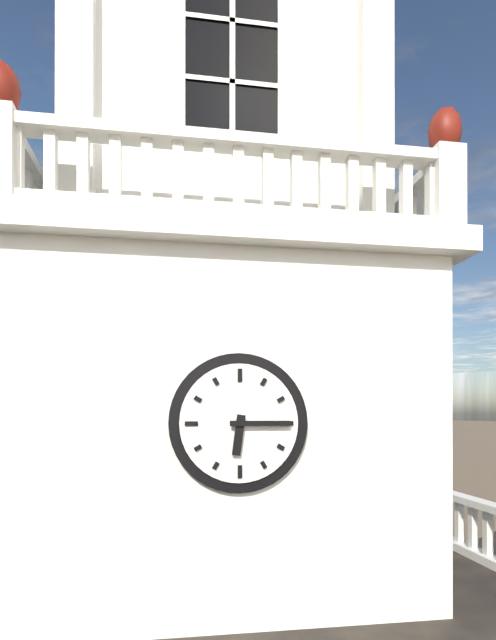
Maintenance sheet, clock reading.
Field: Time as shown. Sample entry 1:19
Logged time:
6:15
